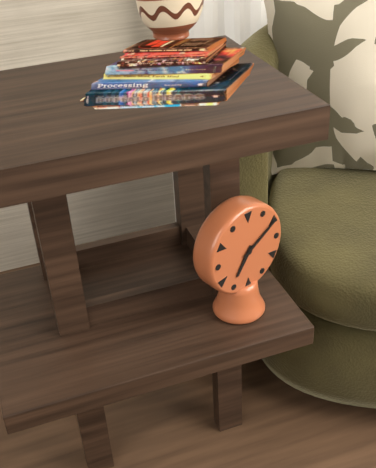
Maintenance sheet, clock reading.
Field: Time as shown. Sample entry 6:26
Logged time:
7:10
